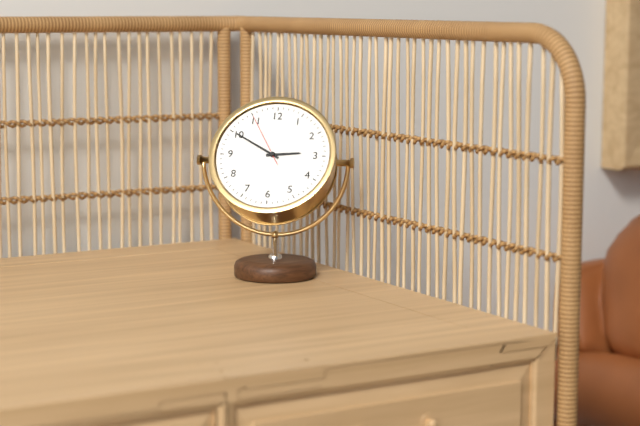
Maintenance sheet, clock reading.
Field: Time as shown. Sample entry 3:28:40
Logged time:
2:50:55
